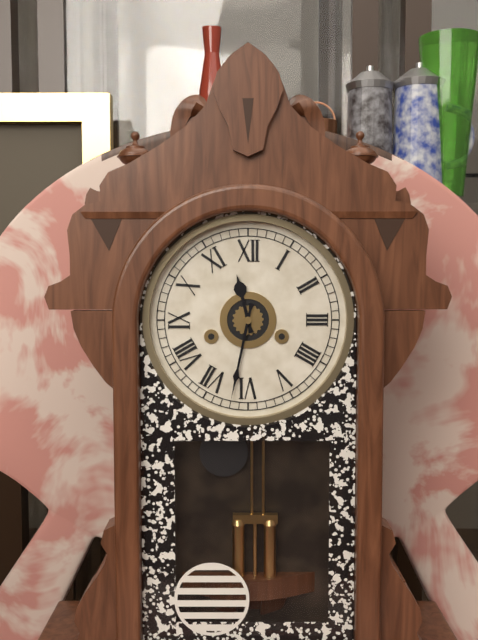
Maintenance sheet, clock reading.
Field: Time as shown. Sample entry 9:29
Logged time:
11:32
